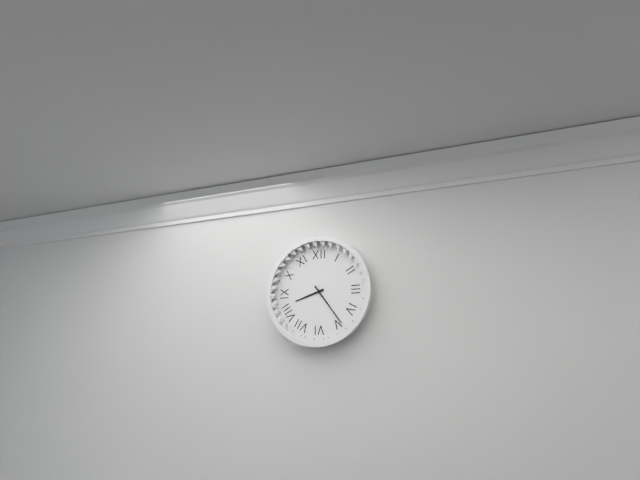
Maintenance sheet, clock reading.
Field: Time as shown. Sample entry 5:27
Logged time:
8:24
